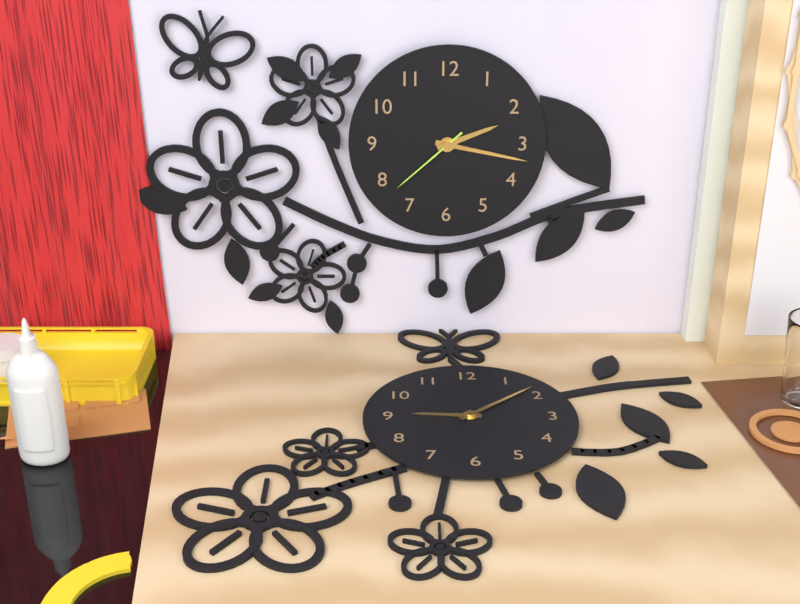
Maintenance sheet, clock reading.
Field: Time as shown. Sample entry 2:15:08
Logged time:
2:17:38
